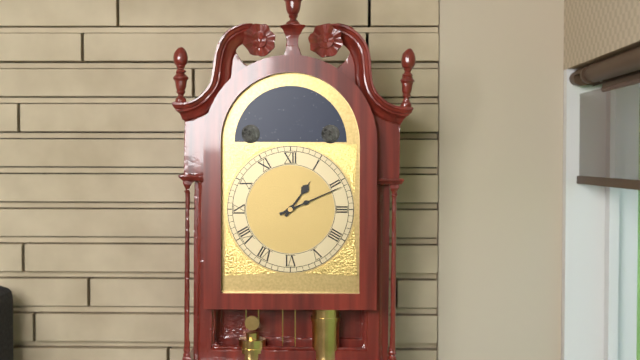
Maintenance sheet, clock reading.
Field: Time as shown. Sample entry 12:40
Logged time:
1:11
